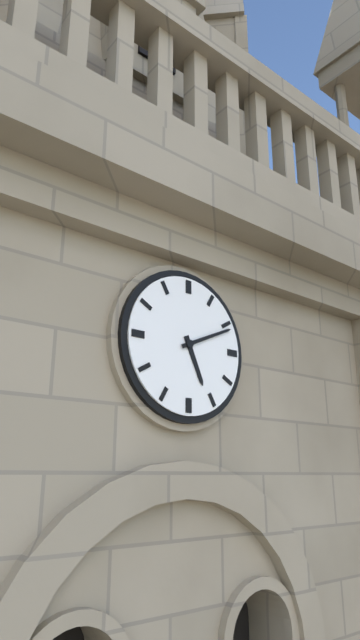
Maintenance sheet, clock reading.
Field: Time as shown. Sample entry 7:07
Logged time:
5:11
